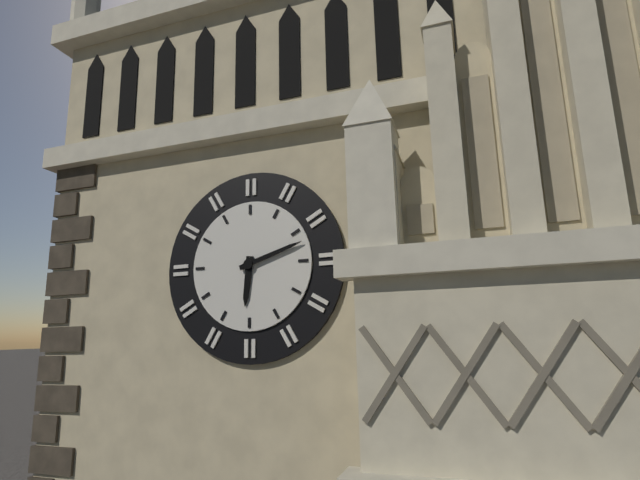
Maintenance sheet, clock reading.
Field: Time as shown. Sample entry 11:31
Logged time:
6:12
